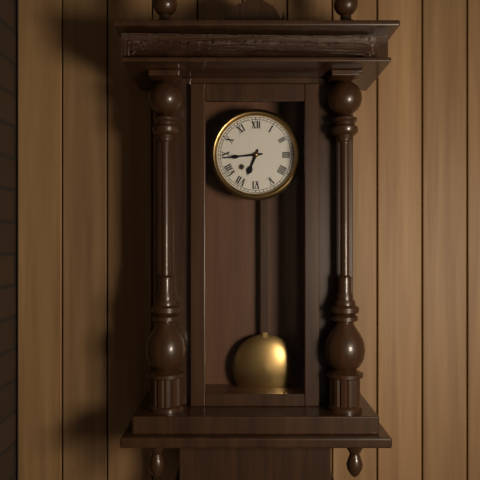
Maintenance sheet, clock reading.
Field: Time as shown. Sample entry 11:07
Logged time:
6:44
